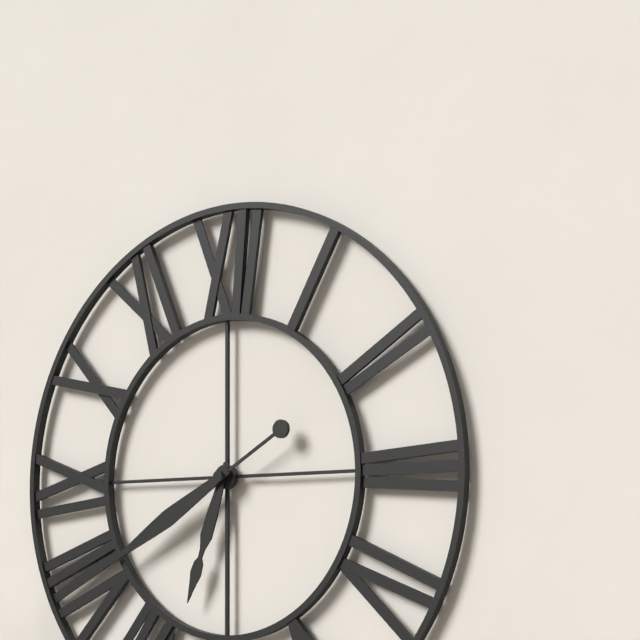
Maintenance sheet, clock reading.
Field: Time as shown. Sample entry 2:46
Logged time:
6:40
